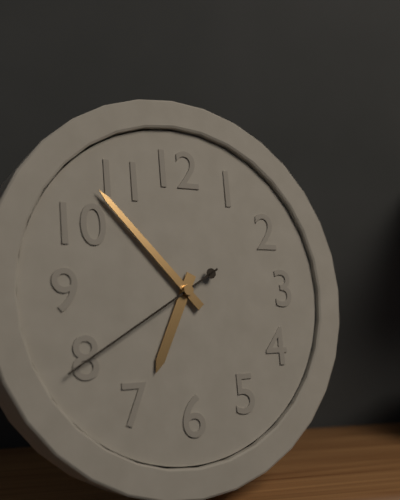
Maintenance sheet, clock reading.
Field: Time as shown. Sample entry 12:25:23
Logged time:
6:53:40
